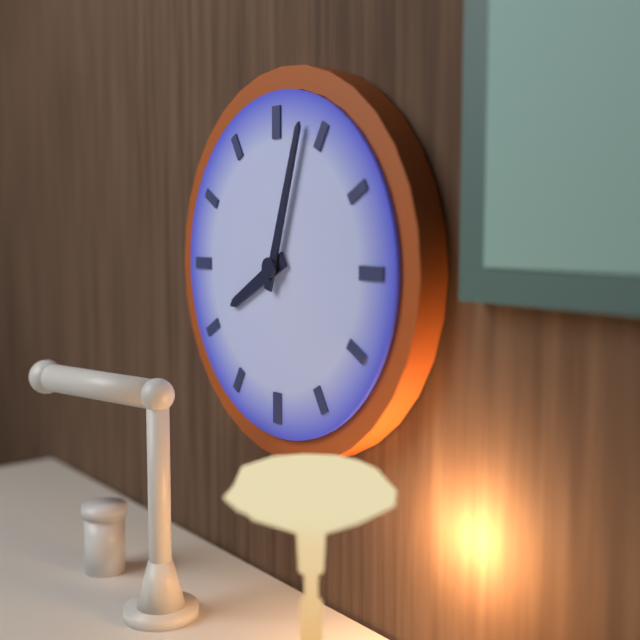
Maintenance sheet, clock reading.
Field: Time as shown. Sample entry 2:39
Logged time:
8:03
